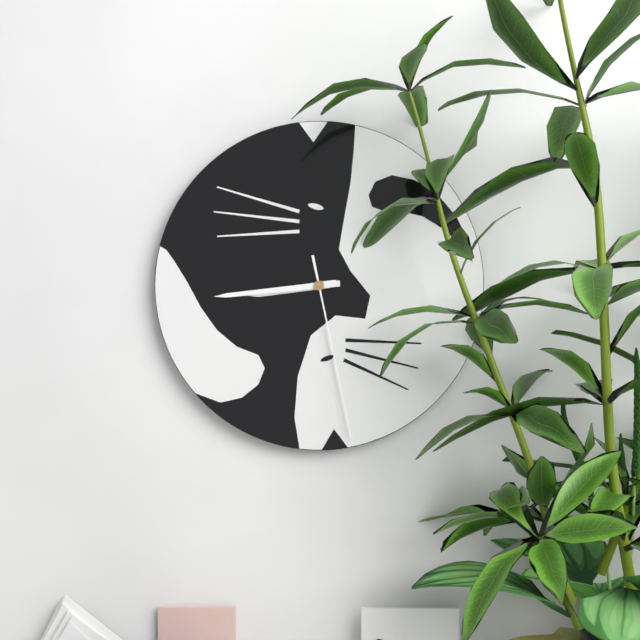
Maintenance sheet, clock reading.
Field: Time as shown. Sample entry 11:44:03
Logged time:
8:44:28
